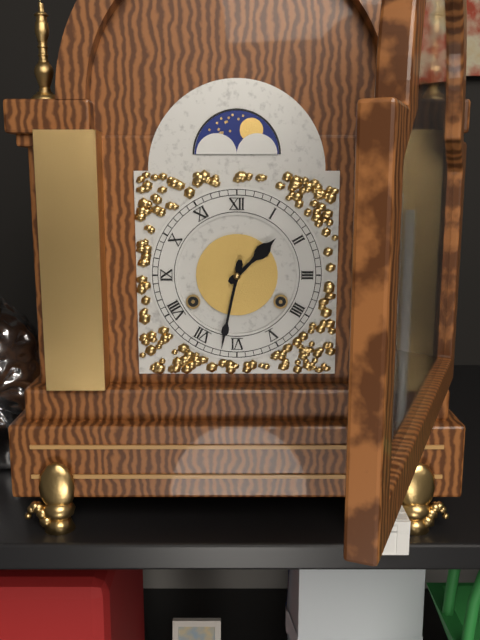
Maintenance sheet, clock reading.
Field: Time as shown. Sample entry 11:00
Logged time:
1:32
